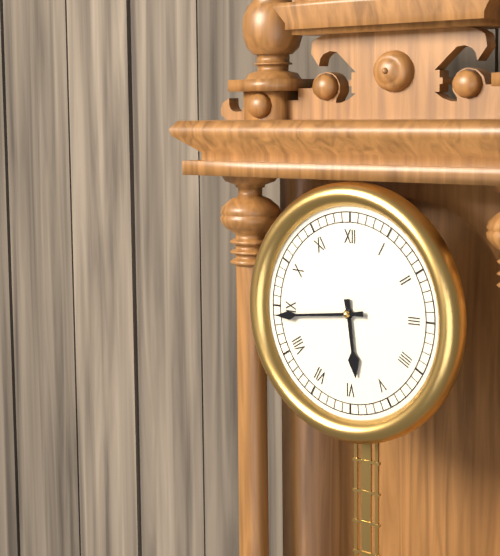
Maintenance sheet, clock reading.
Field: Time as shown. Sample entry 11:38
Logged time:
5:44
